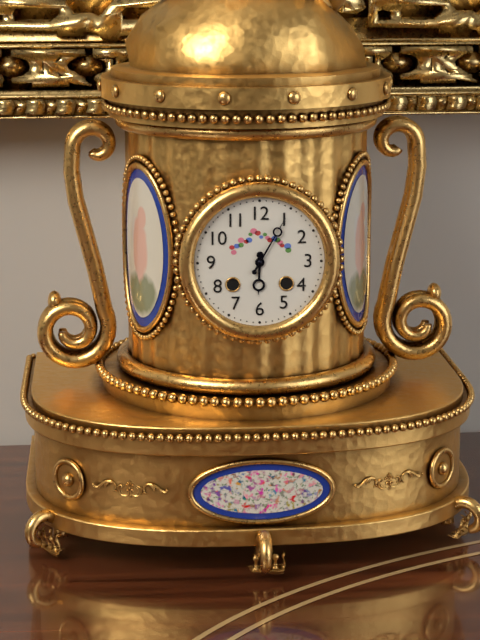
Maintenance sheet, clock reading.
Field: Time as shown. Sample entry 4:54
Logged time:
6:05
